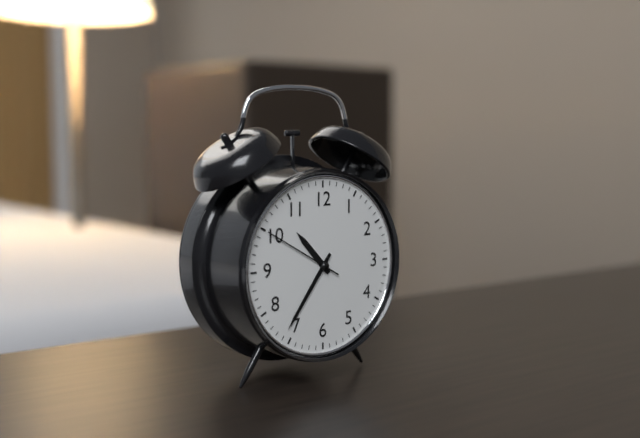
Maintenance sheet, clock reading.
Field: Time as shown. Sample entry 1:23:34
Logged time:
10:36:50
